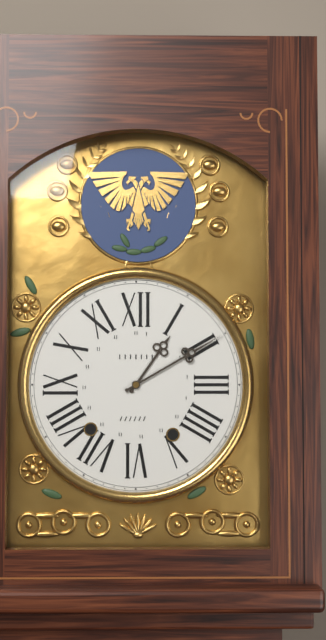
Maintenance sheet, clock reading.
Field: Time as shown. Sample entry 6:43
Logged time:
1:10
